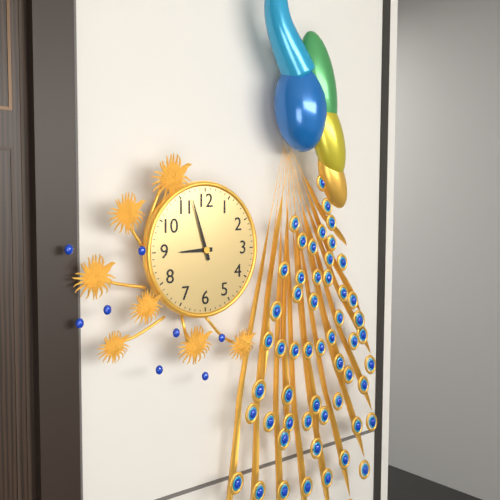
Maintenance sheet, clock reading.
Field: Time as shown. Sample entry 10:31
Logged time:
8:57
